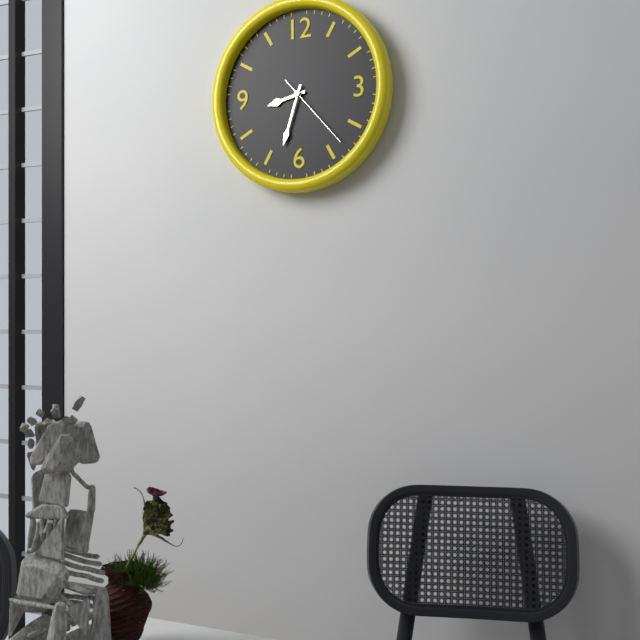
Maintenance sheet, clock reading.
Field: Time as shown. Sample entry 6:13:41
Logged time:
8:33:23
